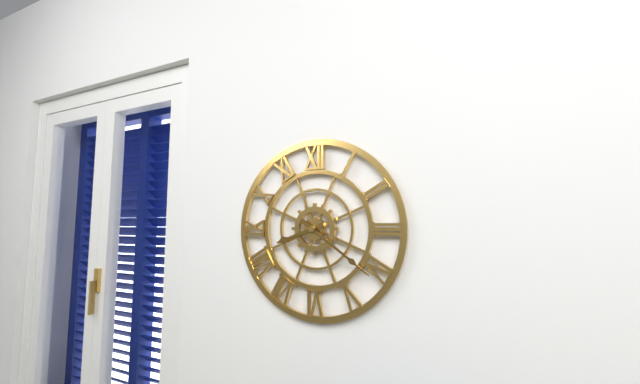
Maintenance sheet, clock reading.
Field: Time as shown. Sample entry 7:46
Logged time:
8:21
